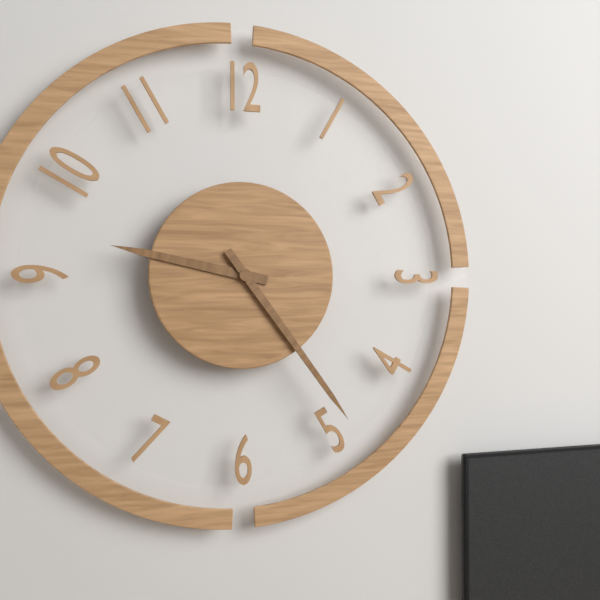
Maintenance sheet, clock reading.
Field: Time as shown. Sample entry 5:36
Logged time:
9:24
